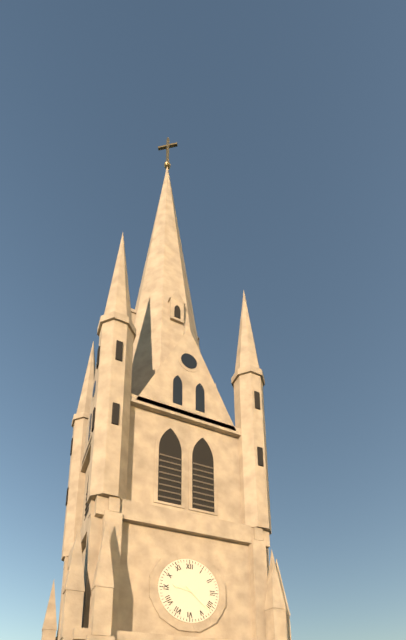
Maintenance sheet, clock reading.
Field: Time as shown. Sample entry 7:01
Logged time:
9:22
